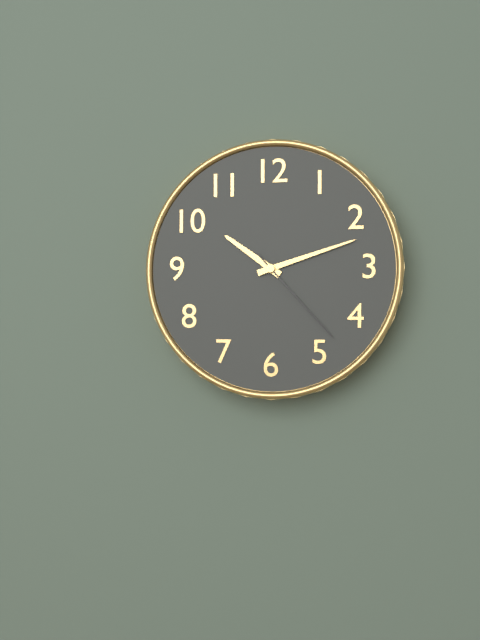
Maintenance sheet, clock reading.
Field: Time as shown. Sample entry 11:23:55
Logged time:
10:12:23
